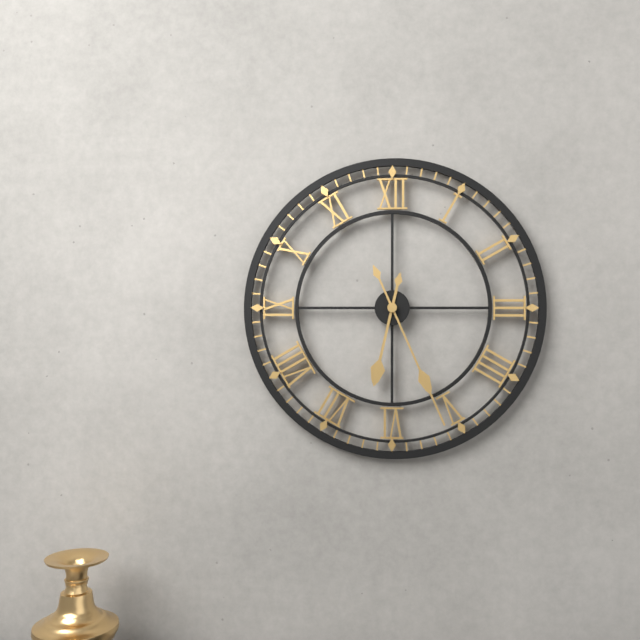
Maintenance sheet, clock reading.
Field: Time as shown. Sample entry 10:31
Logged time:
6:26
